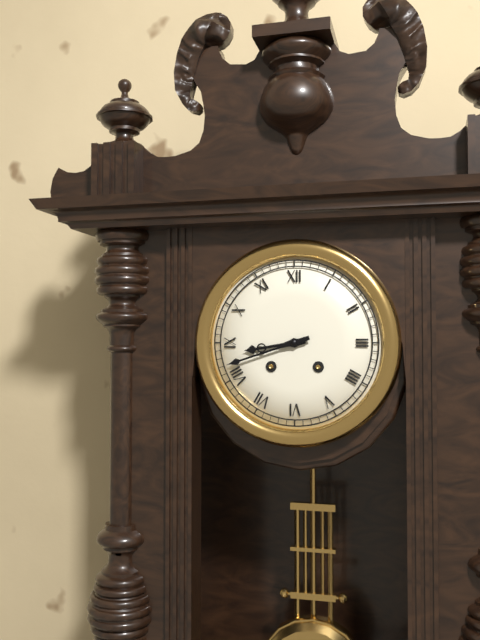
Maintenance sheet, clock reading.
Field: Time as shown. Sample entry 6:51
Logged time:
8:42
